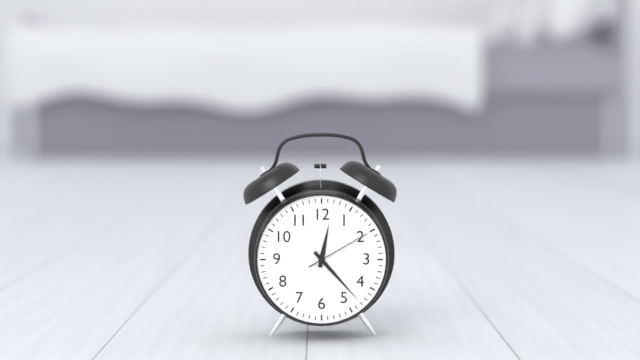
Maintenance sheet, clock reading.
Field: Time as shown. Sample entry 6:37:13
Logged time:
12:23:10
